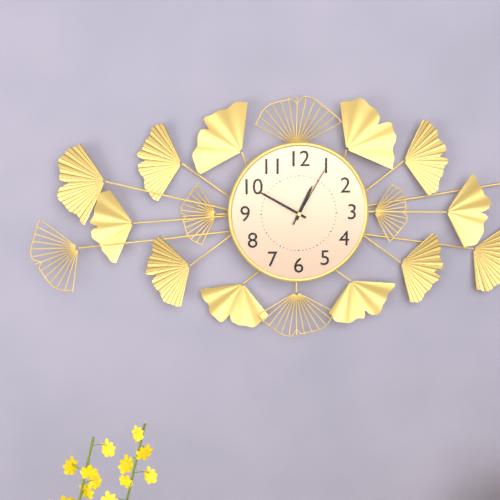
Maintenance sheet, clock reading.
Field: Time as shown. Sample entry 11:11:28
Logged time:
12:50:05
